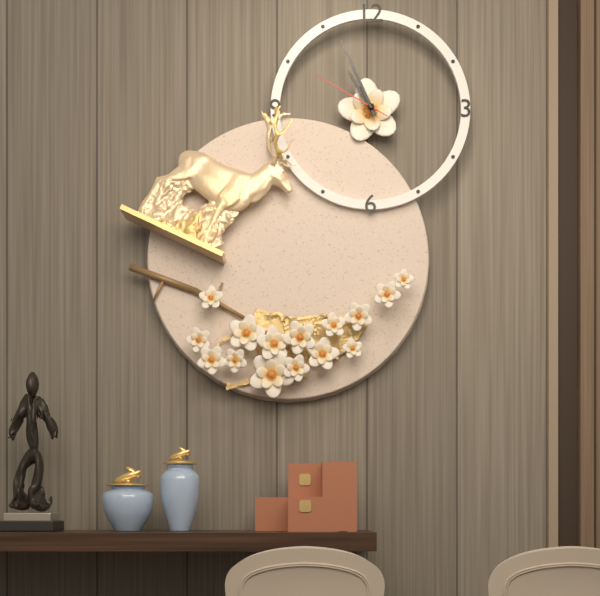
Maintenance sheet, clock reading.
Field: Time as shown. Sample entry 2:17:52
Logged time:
10:56:50
